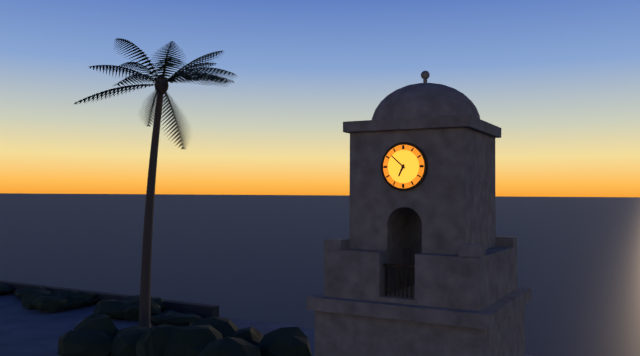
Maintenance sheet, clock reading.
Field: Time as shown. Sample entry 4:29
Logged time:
6:52
